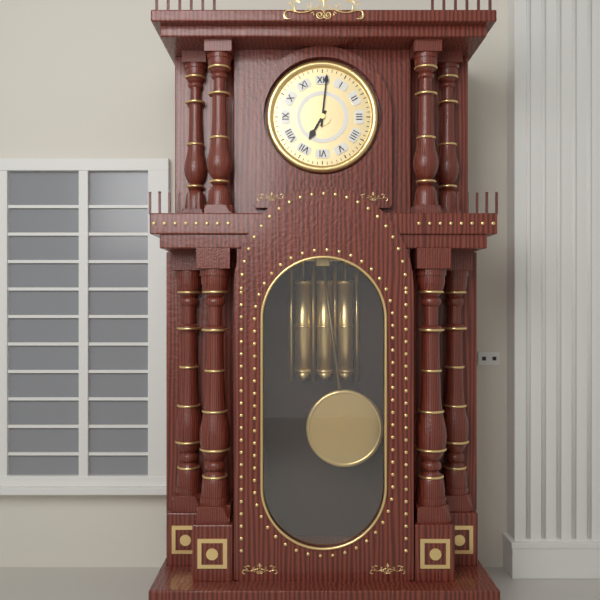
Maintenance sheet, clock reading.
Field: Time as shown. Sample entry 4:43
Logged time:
7:01
